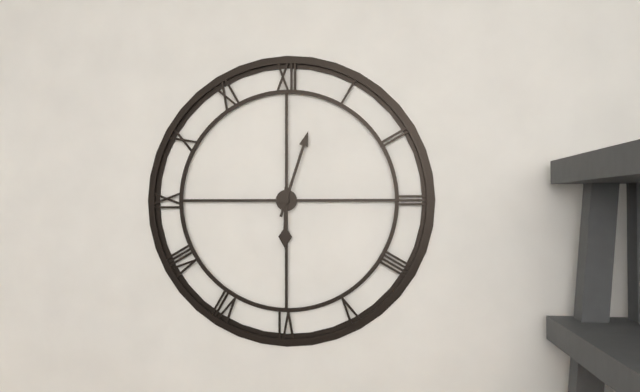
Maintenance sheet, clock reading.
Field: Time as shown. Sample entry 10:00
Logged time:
6:03
